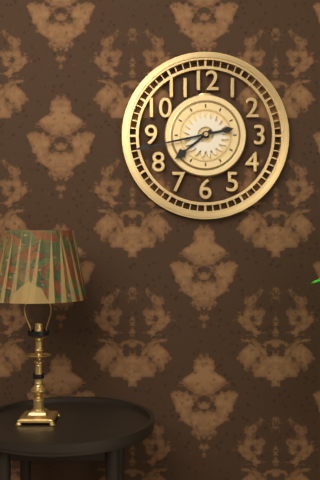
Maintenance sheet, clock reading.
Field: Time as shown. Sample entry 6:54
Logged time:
7:43
